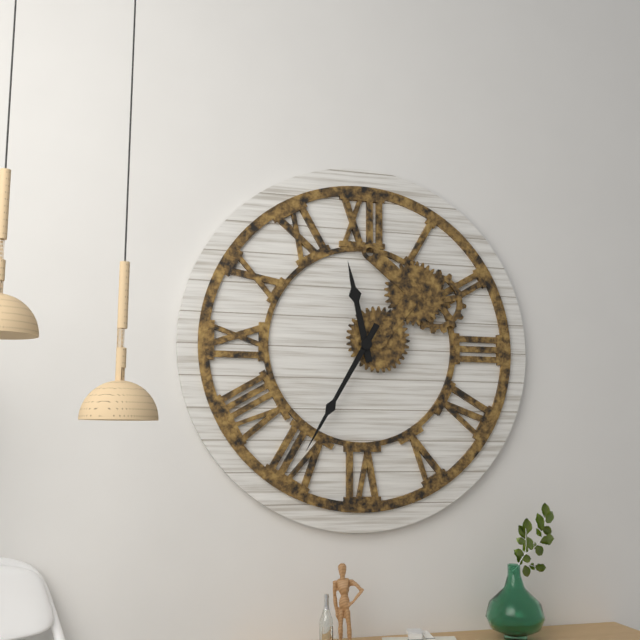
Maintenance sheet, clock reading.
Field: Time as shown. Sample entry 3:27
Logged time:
11:35
